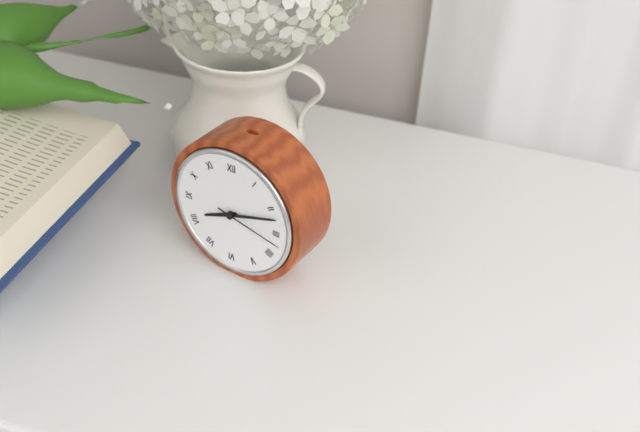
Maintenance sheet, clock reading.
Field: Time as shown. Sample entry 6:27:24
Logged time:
8:12:17
